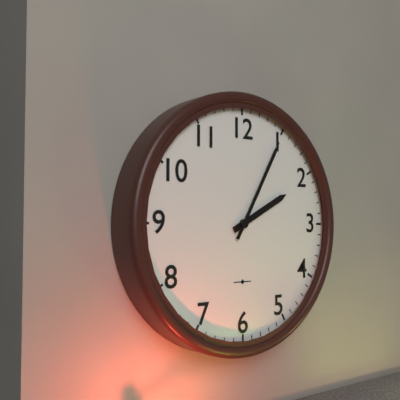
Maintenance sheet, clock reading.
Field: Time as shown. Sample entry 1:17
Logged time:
2:05
